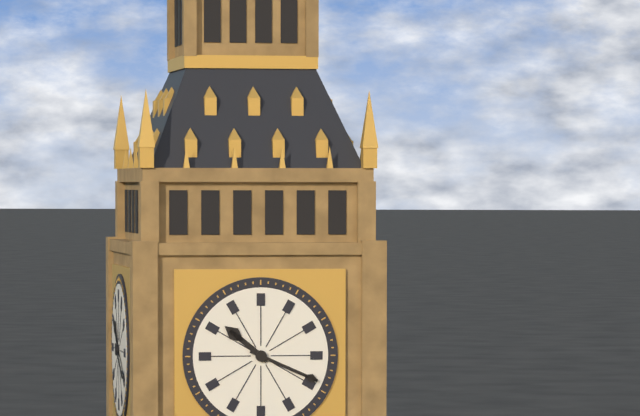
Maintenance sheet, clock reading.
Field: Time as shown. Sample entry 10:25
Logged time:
10:19
